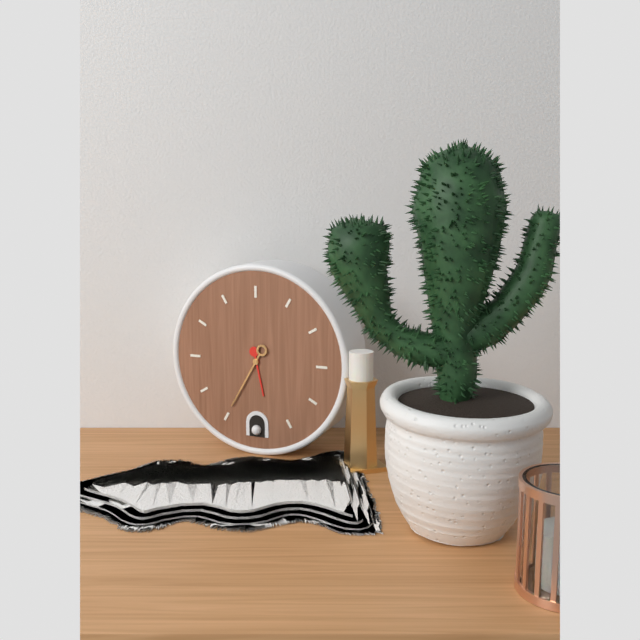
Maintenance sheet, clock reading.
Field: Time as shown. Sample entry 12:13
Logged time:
5:35
